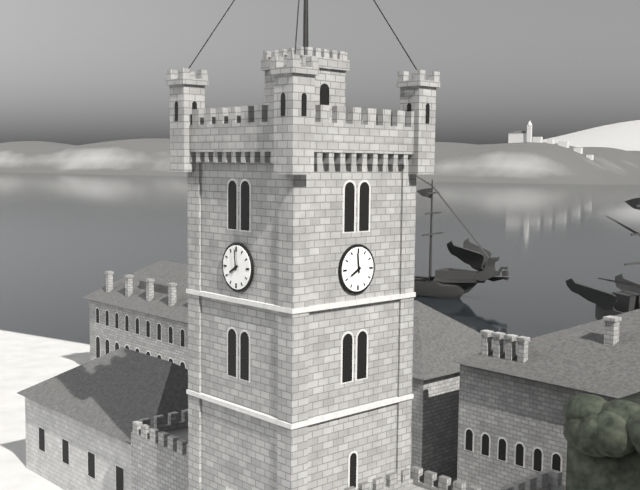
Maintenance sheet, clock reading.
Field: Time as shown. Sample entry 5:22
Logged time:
7:59
